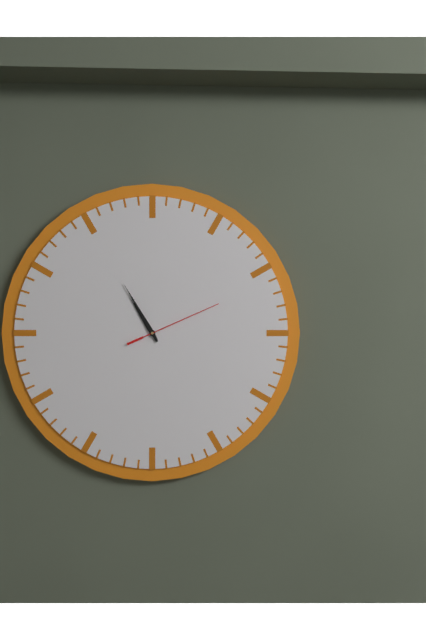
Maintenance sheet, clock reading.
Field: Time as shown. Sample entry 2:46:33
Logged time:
10:55:11
